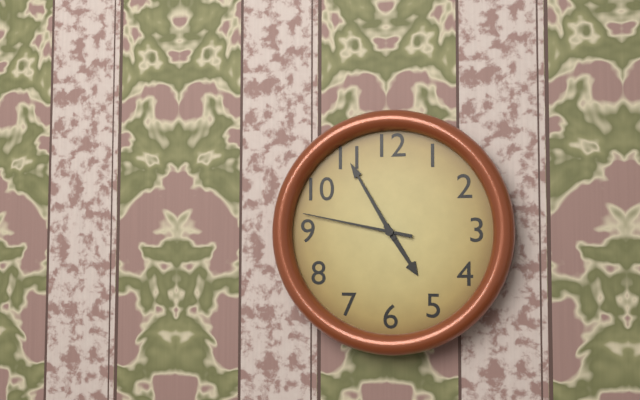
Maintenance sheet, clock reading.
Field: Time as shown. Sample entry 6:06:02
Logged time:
4:55:47
